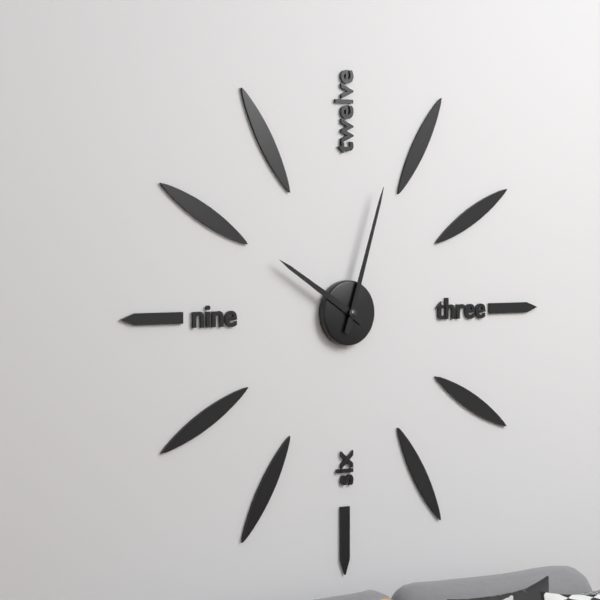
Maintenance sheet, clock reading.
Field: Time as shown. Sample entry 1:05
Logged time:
10:03
